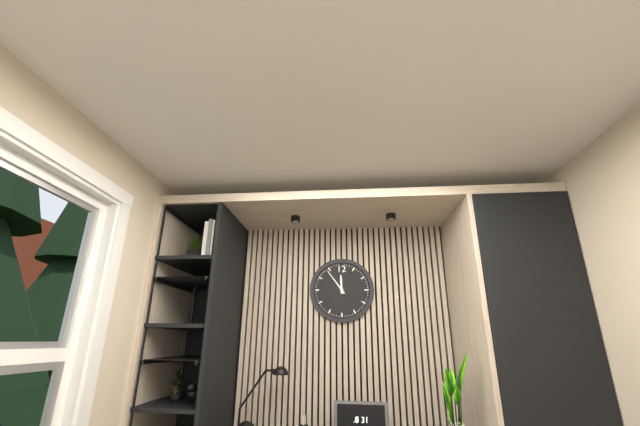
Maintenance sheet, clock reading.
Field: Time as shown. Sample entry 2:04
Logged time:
11:54
